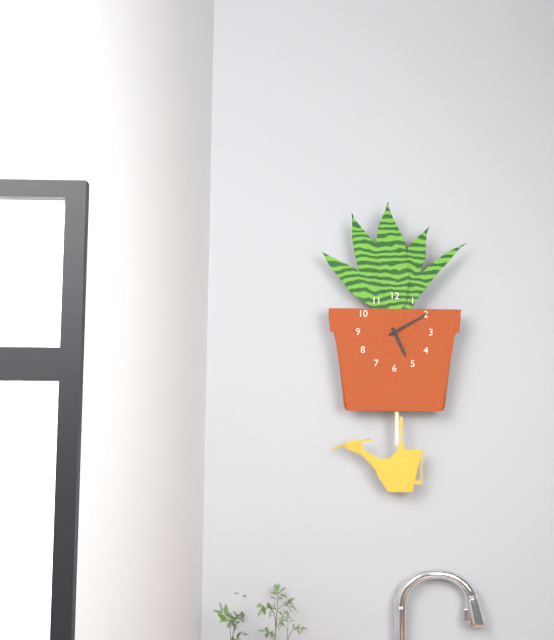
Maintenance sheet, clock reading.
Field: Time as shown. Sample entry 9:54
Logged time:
5:10
